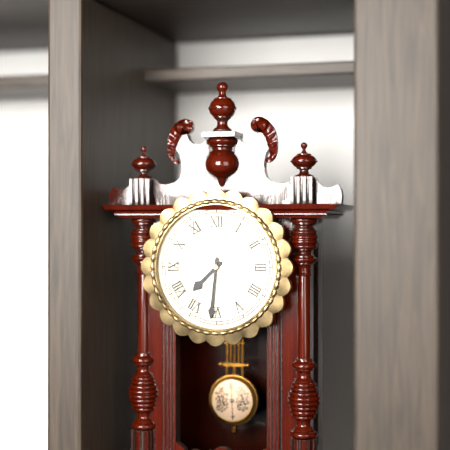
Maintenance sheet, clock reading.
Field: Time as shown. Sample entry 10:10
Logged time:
7:31
